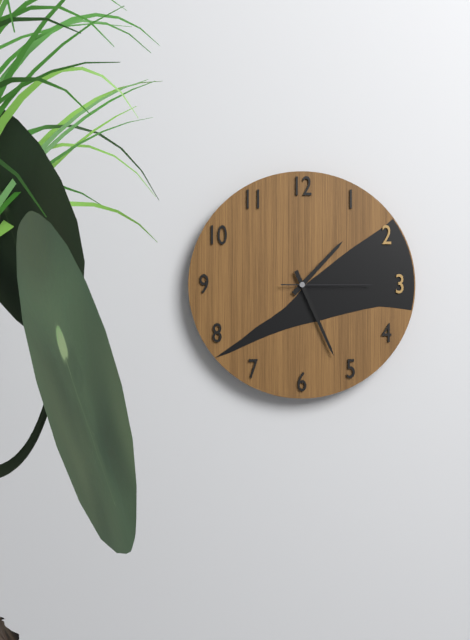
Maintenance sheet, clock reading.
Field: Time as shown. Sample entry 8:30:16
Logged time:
1:26:15
